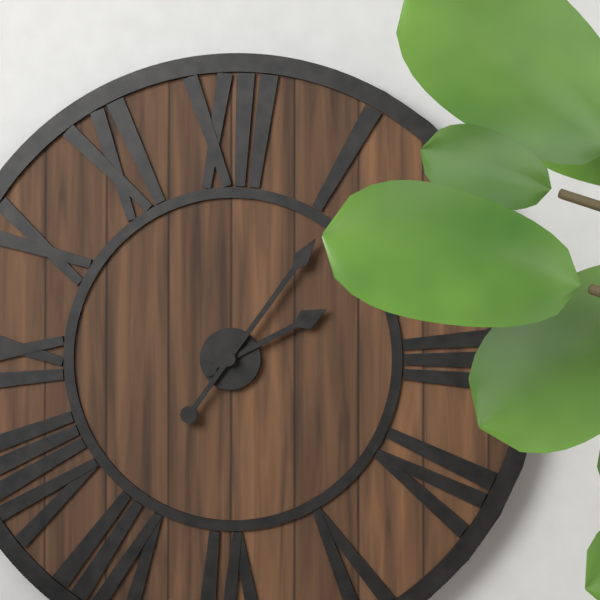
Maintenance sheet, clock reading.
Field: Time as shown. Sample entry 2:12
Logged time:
2:06
